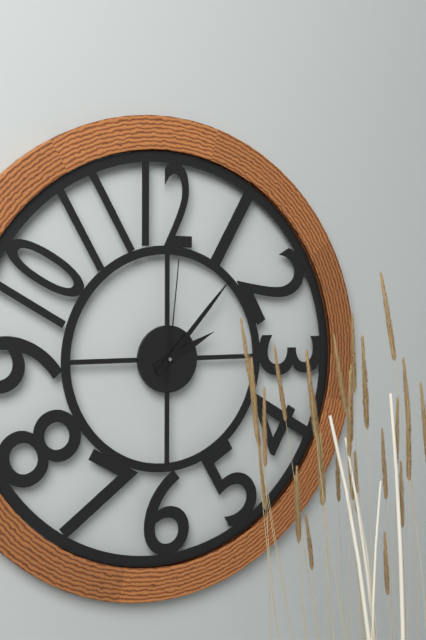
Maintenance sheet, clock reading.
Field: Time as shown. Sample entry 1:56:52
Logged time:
2:07:01
